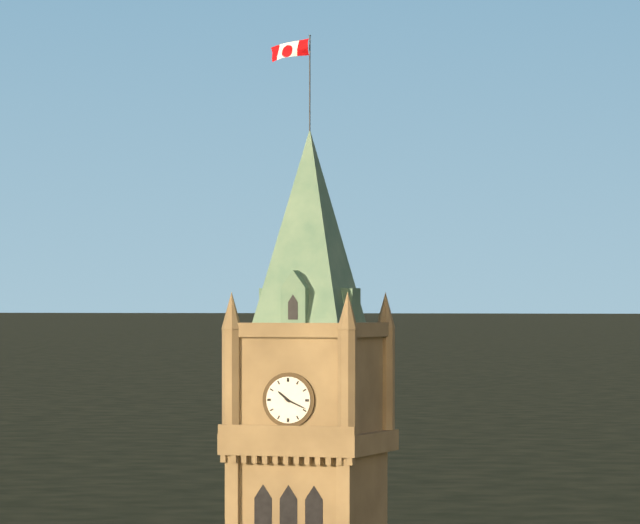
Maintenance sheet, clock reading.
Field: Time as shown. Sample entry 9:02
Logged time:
10:19
